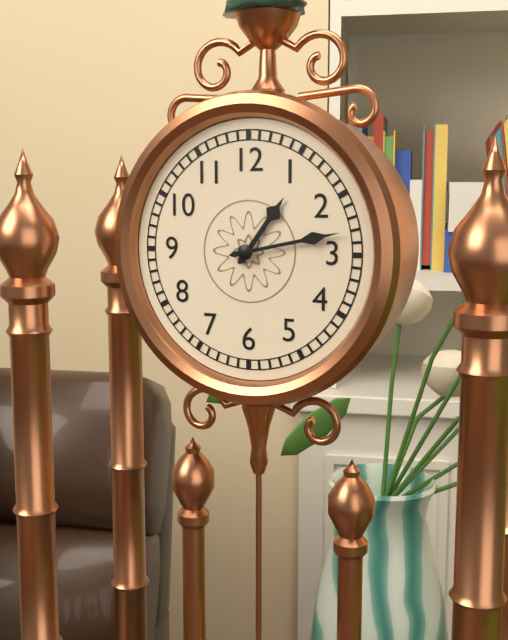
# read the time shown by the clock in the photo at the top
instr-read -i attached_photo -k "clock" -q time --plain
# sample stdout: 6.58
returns 1.13
